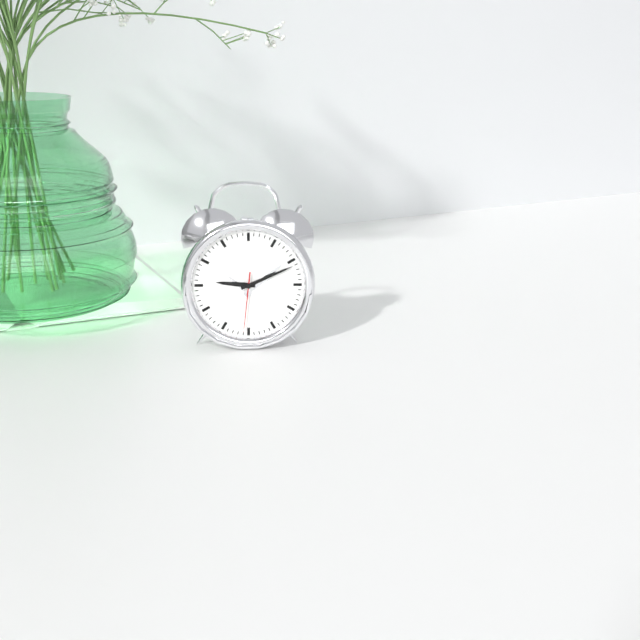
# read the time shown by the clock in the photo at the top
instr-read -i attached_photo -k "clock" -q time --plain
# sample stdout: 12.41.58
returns 9.11.31
